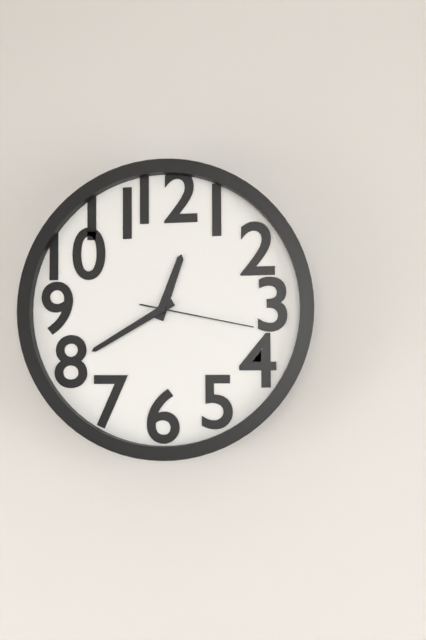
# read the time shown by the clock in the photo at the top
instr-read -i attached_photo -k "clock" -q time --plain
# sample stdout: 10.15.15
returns 12.40.17
